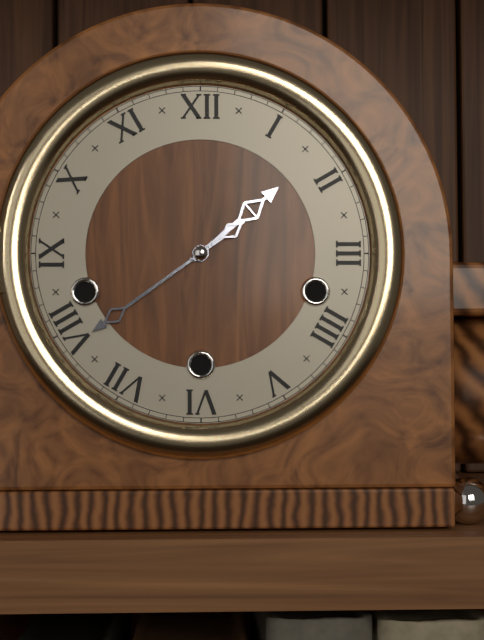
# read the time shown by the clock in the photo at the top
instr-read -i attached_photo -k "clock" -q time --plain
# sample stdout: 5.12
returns 1.39
